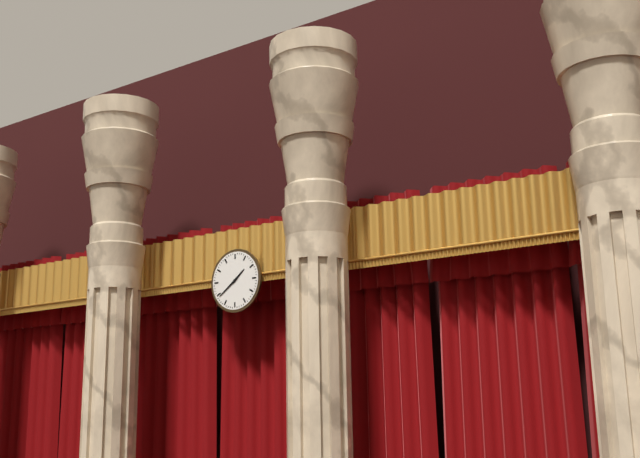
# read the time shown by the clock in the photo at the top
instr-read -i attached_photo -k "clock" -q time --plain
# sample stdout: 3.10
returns 1.39
